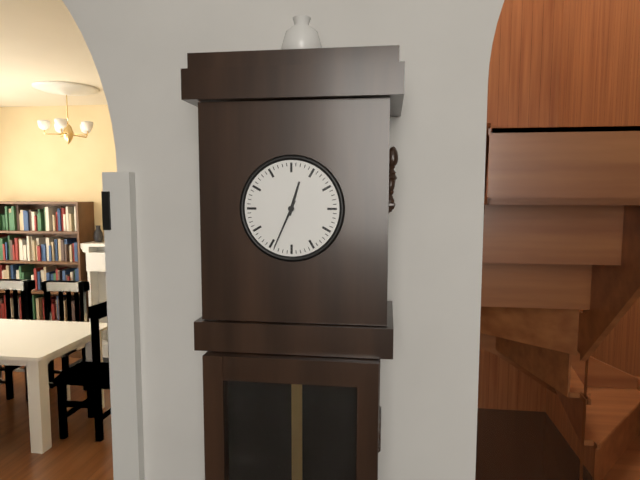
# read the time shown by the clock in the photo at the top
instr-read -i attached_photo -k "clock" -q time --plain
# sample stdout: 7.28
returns 12.34
